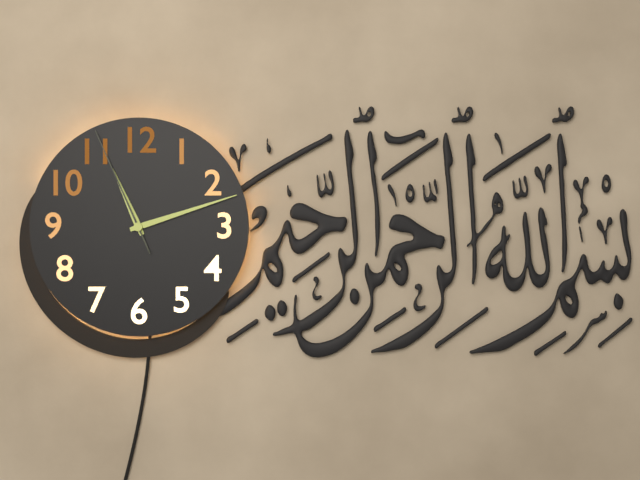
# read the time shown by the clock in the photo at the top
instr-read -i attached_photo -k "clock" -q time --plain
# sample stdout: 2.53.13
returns 11.12.56
